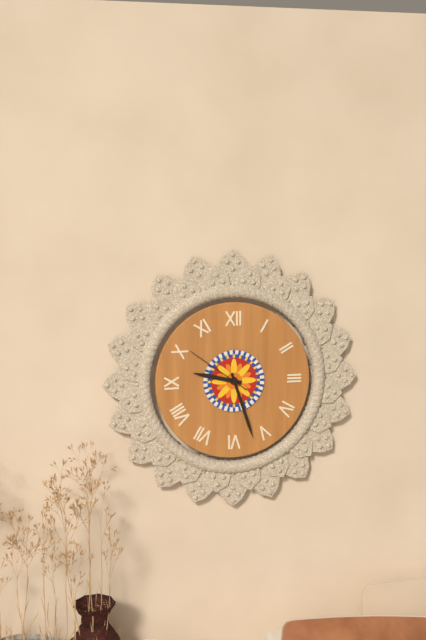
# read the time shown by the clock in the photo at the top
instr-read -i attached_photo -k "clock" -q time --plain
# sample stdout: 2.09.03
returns 9.27.51
